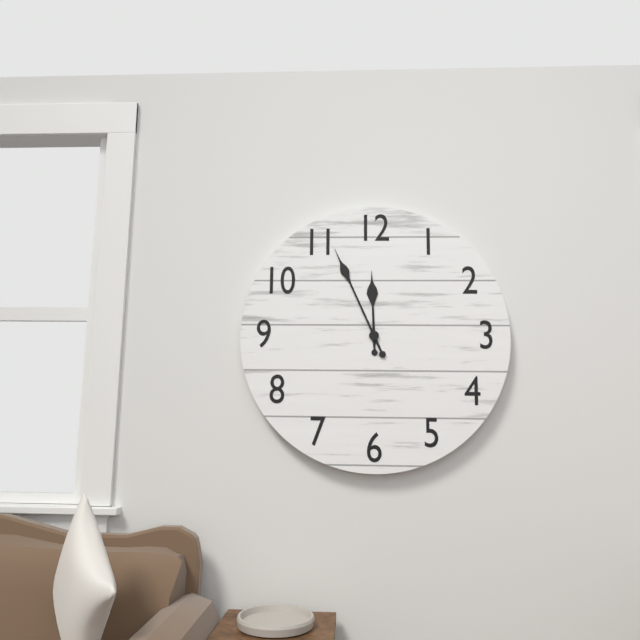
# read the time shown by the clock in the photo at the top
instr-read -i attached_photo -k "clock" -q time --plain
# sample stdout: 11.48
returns 11.56
